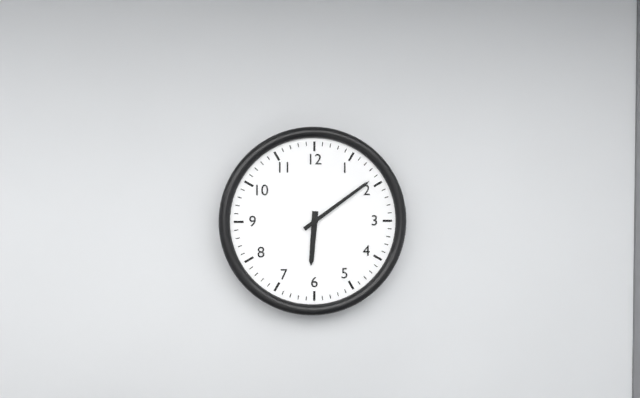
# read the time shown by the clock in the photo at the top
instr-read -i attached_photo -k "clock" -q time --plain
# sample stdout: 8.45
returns 6.09
